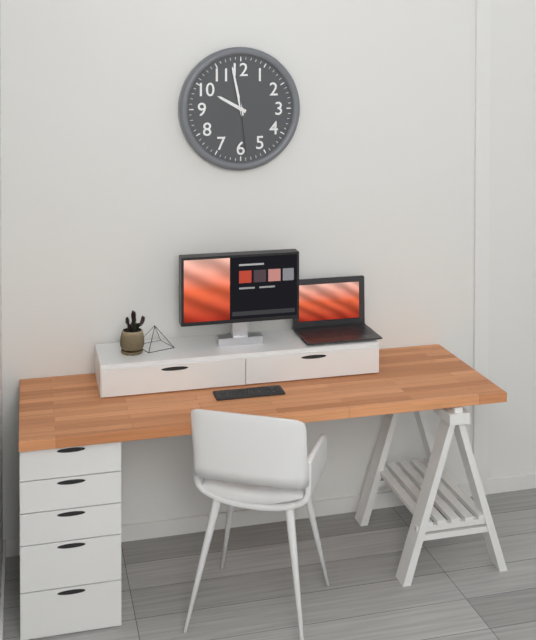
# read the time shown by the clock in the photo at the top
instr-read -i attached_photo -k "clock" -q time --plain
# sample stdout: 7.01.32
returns 9.58.29
